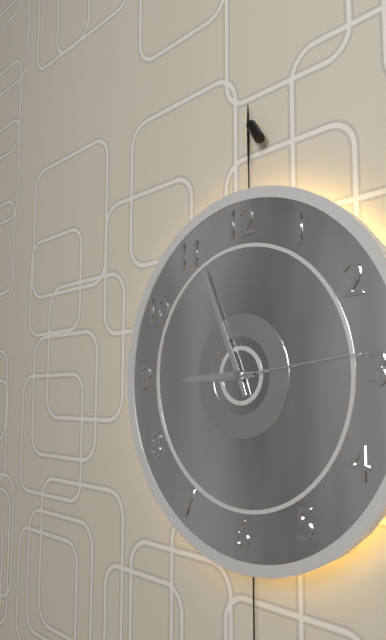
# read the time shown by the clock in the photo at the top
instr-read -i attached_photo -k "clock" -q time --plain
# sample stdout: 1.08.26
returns 8.56.14
